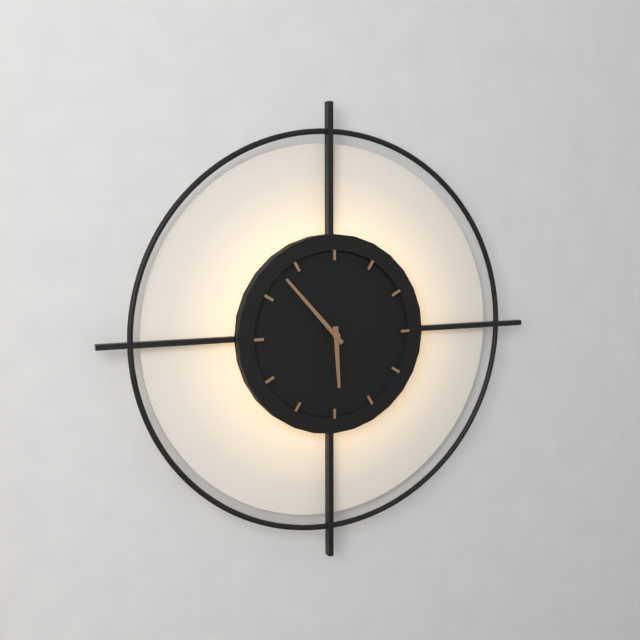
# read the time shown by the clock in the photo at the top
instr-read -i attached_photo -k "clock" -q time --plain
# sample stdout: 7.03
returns 5.53
